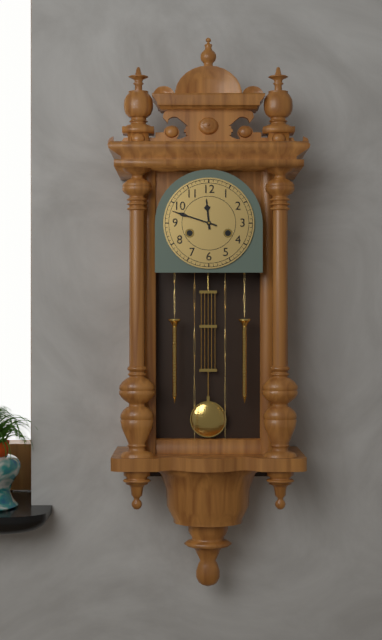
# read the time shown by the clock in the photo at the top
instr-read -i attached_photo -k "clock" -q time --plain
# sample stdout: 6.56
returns 11.48
